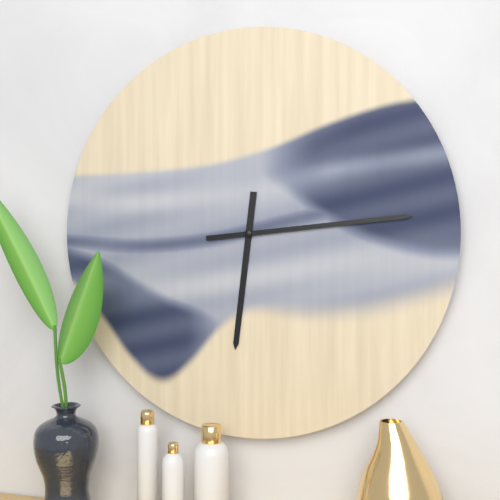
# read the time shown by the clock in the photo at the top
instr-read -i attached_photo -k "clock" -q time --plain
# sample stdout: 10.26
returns 6.14
